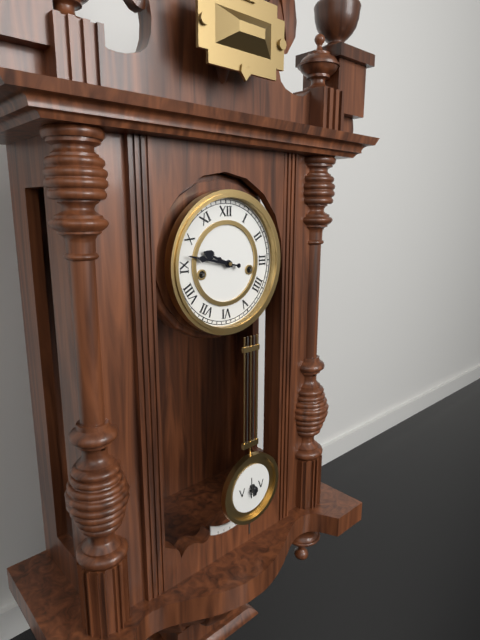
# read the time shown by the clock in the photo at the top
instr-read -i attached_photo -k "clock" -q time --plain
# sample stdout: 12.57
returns 9.47
